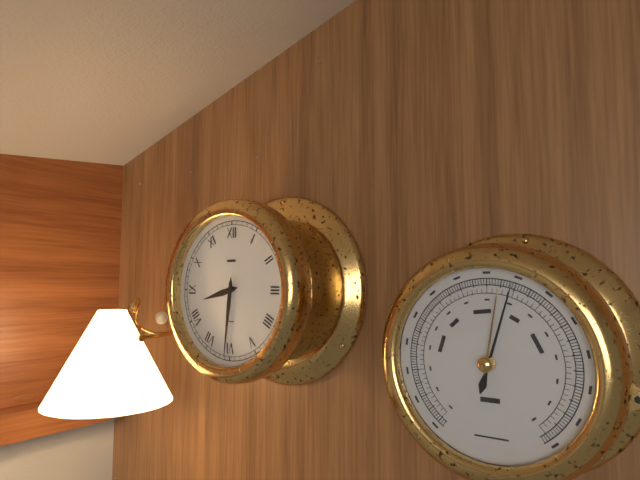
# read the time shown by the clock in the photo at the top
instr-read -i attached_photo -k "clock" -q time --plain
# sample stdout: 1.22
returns 8.31
